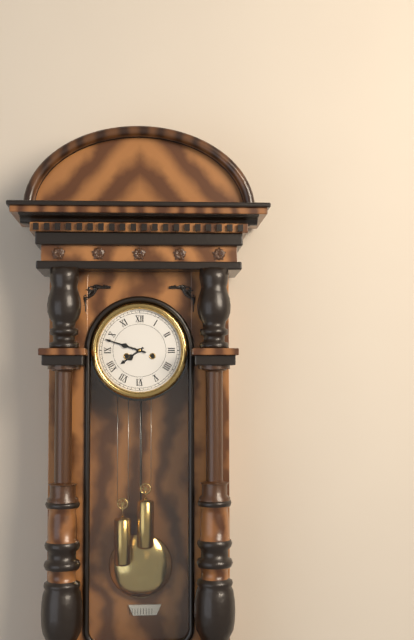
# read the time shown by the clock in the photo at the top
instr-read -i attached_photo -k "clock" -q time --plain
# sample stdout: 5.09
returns 7.48
